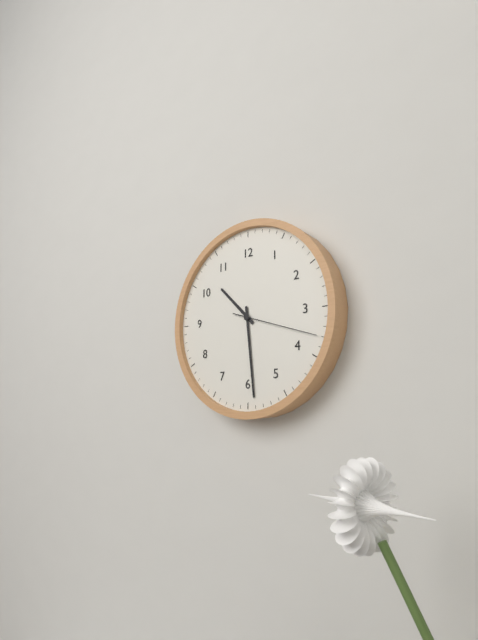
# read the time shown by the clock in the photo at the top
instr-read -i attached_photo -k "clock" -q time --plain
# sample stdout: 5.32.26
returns 10.29.18
